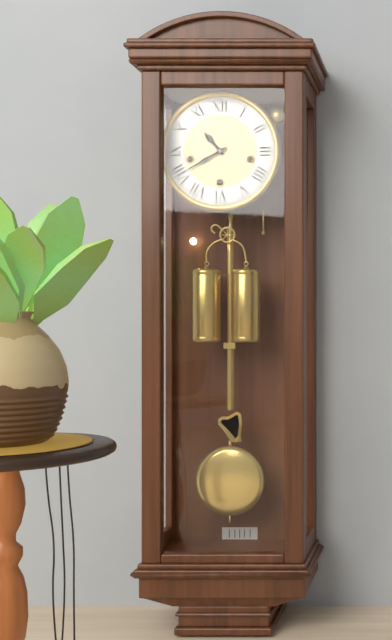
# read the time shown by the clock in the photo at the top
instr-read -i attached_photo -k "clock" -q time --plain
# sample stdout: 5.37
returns 10.40
